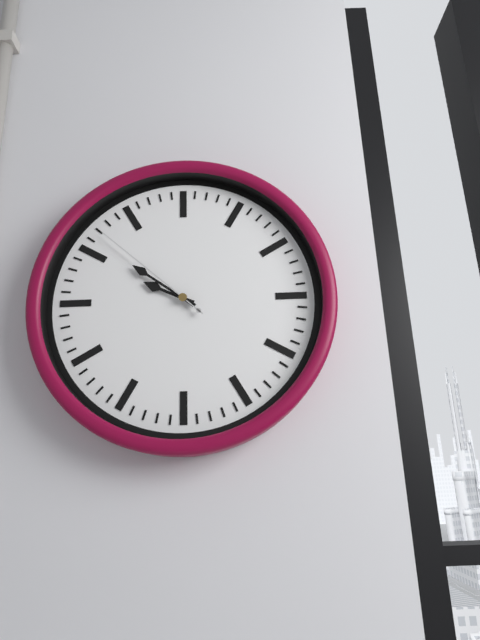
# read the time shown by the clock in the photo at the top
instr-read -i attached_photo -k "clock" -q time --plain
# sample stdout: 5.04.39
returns 9.51.52
